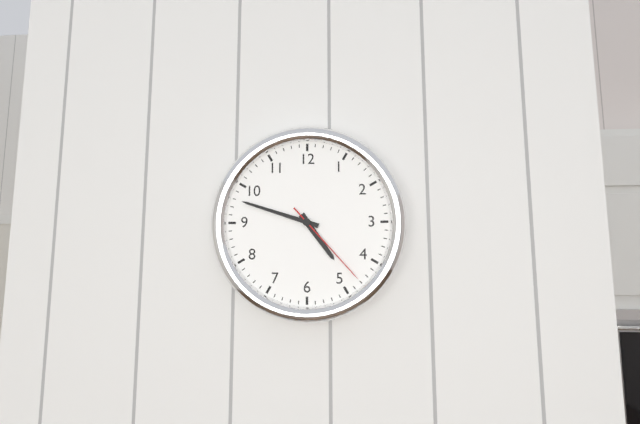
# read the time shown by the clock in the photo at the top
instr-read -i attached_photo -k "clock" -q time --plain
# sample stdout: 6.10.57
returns 4.48.23
